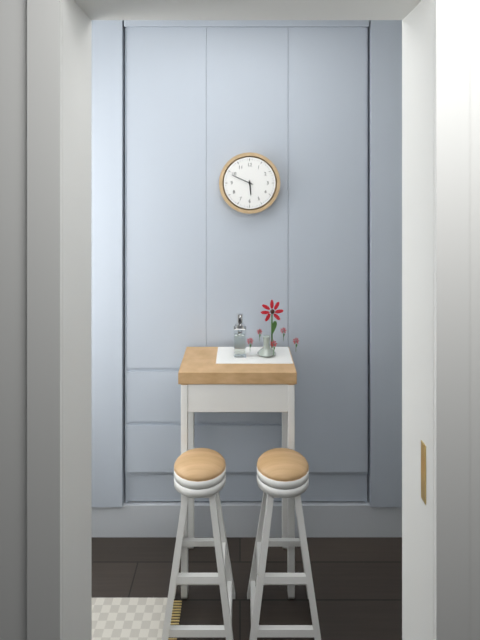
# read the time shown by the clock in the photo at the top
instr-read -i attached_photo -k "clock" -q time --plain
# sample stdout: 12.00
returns 5.49
